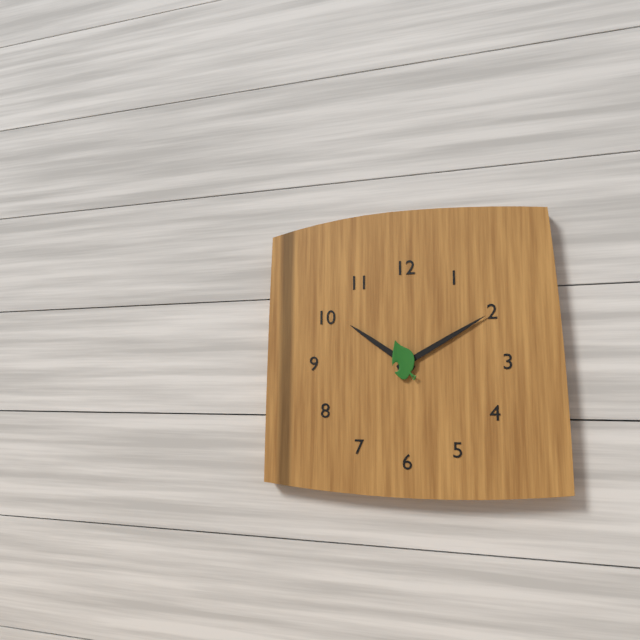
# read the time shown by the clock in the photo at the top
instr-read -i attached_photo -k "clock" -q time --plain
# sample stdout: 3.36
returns 10.10
